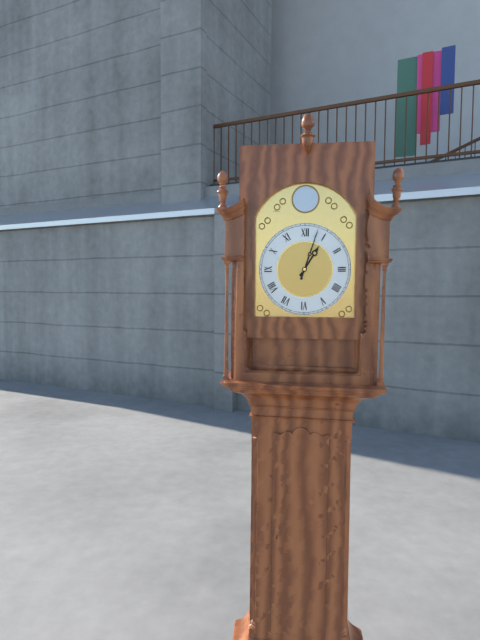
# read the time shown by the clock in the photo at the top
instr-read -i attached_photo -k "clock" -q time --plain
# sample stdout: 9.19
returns 1.03
